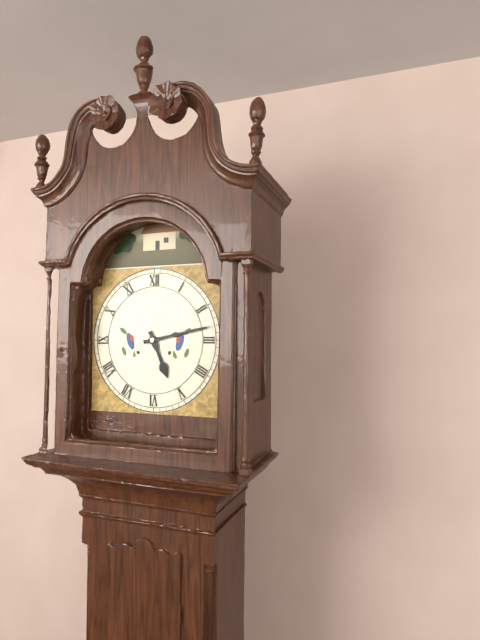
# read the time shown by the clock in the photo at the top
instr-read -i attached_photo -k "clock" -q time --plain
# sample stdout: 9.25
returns 5.13
